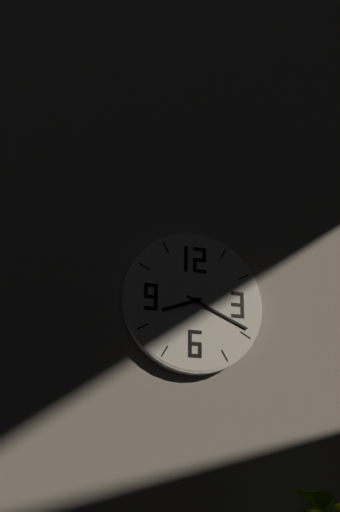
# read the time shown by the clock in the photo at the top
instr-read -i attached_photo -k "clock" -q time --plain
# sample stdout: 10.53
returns 8.19
